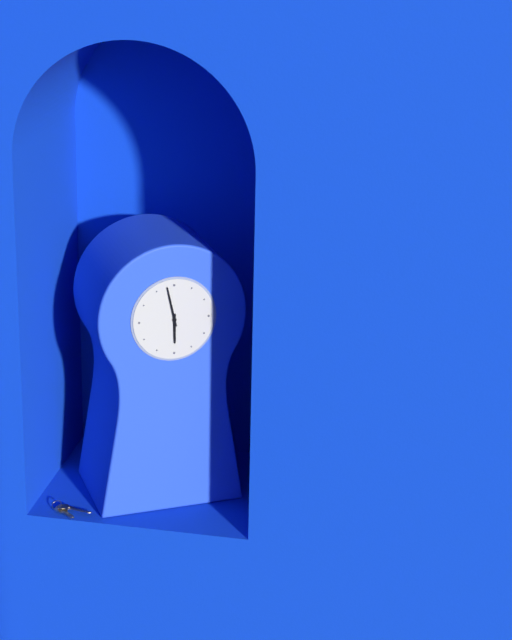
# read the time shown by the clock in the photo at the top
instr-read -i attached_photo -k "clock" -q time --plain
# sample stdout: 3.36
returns 5.58
